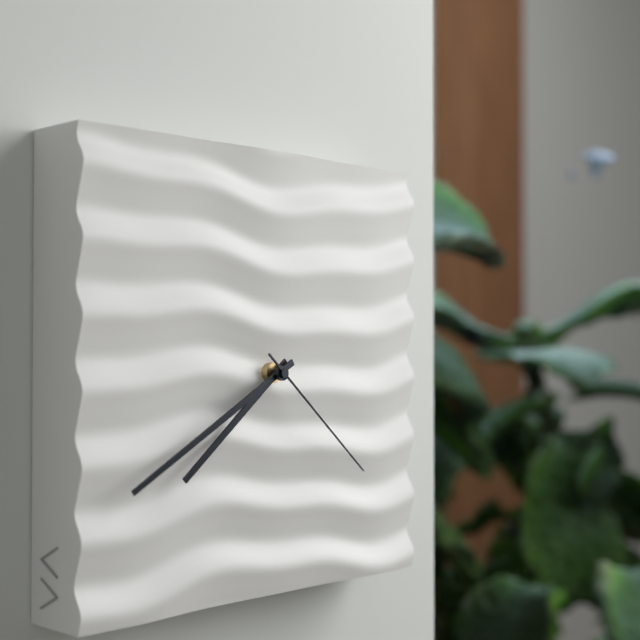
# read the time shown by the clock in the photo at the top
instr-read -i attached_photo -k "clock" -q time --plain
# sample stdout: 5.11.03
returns 7.40.22
